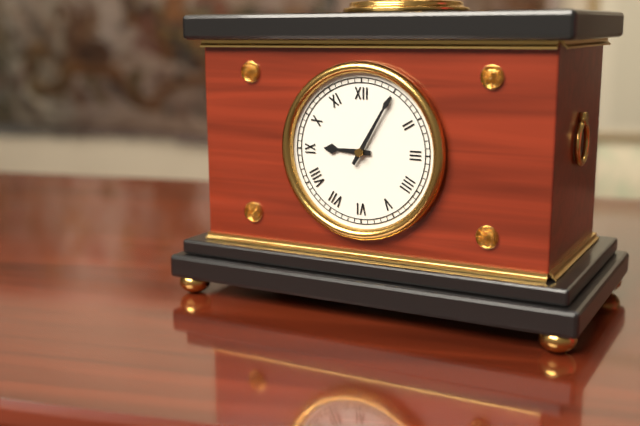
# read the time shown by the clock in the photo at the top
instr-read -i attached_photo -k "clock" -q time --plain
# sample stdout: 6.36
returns 9.05
